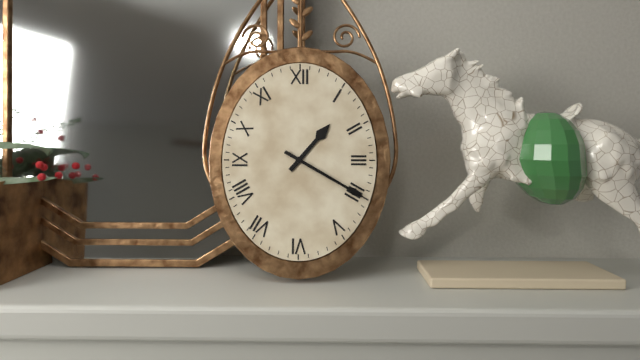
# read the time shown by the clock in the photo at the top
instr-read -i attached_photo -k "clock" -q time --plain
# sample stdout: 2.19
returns 1.20
